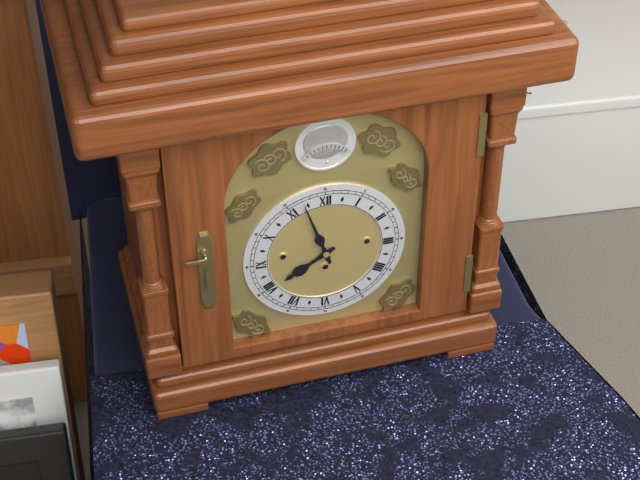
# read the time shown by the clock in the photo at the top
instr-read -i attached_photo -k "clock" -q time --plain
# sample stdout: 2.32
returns 7.57
